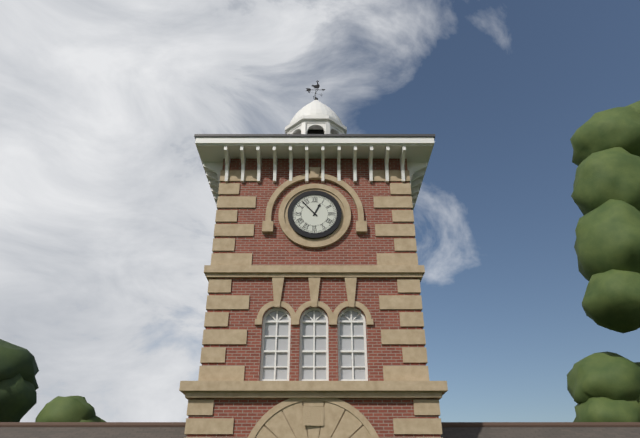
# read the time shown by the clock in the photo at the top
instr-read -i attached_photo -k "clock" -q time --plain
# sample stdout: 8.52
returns 12.53
